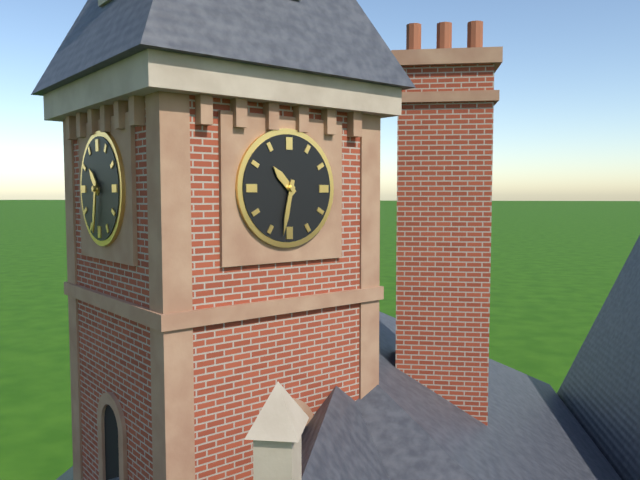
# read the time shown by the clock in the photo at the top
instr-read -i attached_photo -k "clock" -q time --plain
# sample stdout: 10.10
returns 10.32
